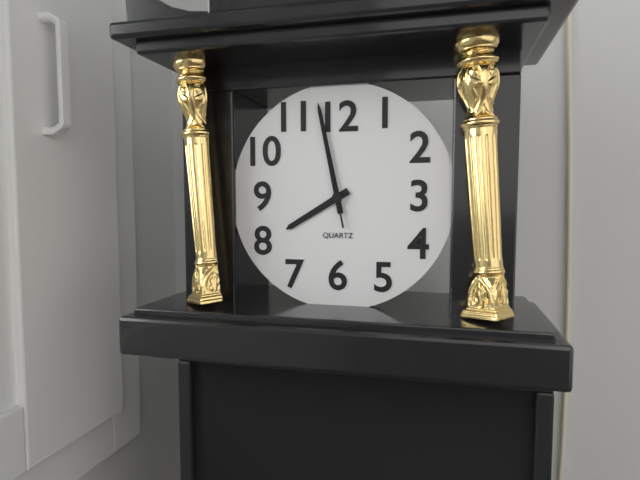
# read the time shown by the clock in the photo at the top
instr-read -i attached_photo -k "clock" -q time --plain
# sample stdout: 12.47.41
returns 7.58.58
